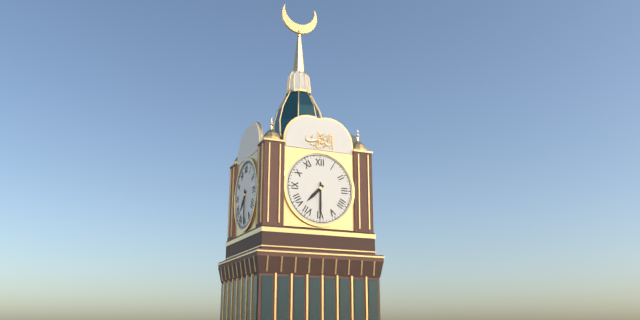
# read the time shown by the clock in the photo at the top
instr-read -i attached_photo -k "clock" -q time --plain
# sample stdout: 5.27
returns 7.30
